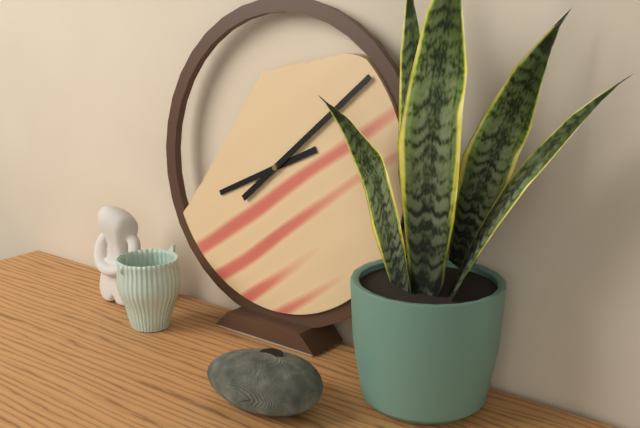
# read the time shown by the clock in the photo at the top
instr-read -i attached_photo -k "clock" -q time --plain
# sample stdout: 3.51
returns 8.08
